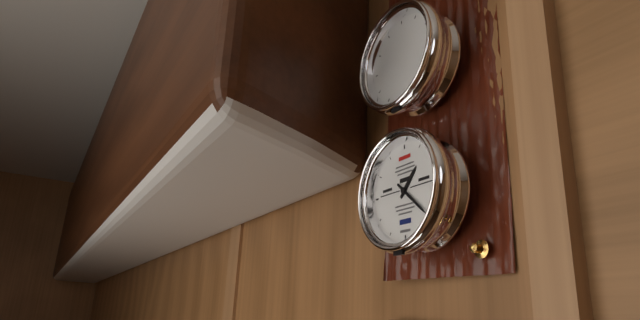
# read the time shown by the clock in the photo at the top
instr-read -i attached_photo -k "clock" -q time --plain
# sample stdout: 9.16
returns 1.22
